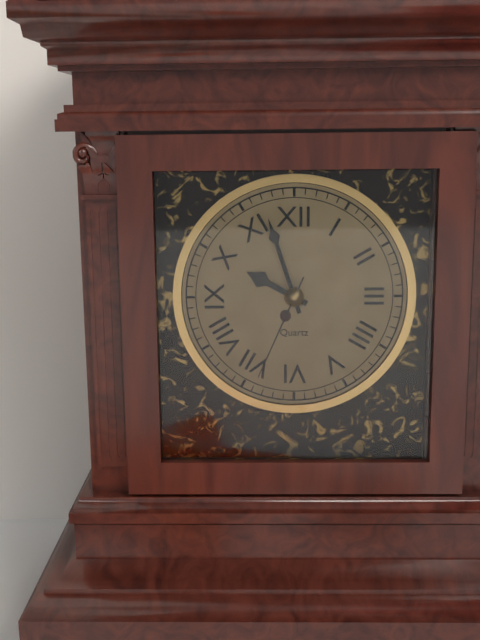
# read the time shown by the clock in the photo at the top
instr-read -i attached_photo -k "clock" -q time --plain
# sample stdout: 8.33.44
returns 9.57.34
